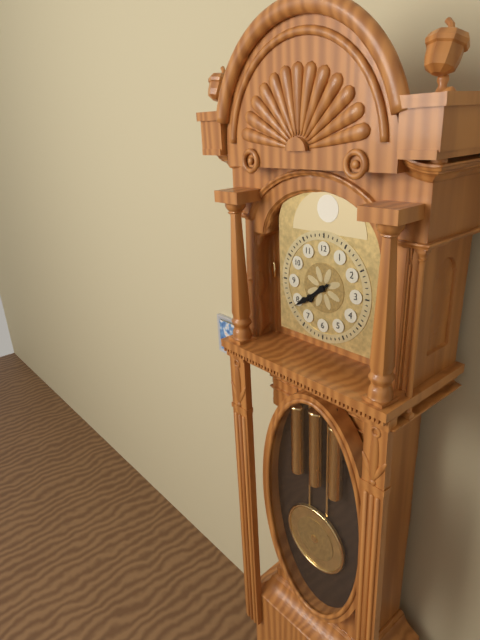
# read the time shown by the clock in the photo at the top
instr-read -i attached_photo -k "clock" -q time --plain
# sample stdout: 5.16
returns 7.39
